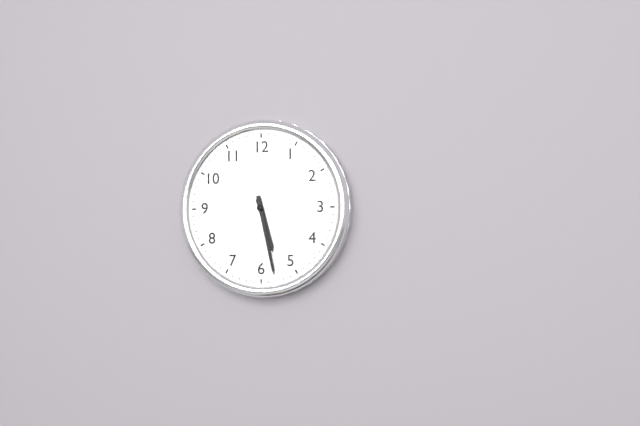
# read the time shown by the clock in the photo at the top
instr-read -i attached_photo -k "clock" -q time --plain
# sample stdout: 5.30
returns 5.28
